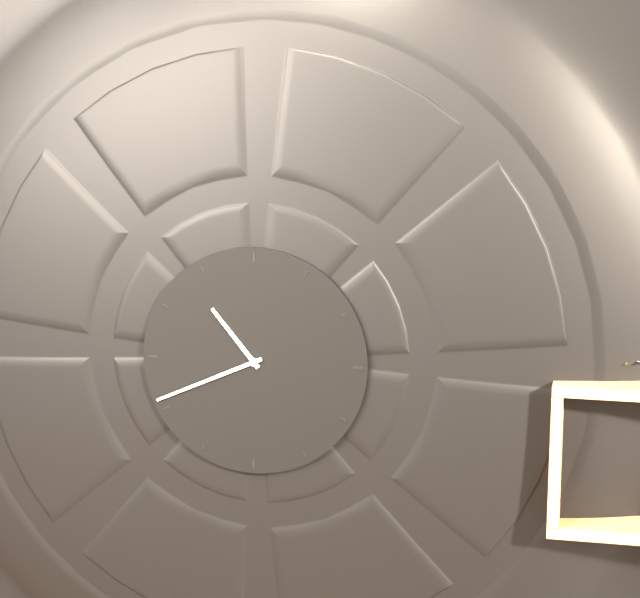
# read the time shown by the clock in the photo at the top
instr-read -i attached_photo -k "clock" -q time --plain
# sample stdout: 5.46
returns 10.41
